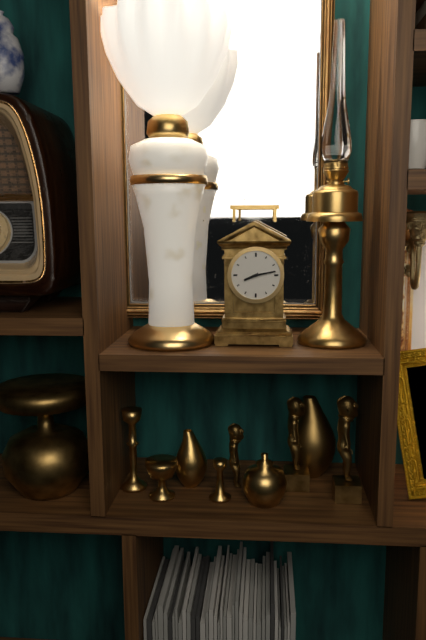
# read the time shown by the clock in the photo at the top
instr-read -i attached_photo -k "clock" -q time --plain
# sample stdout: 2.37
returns 8.13
